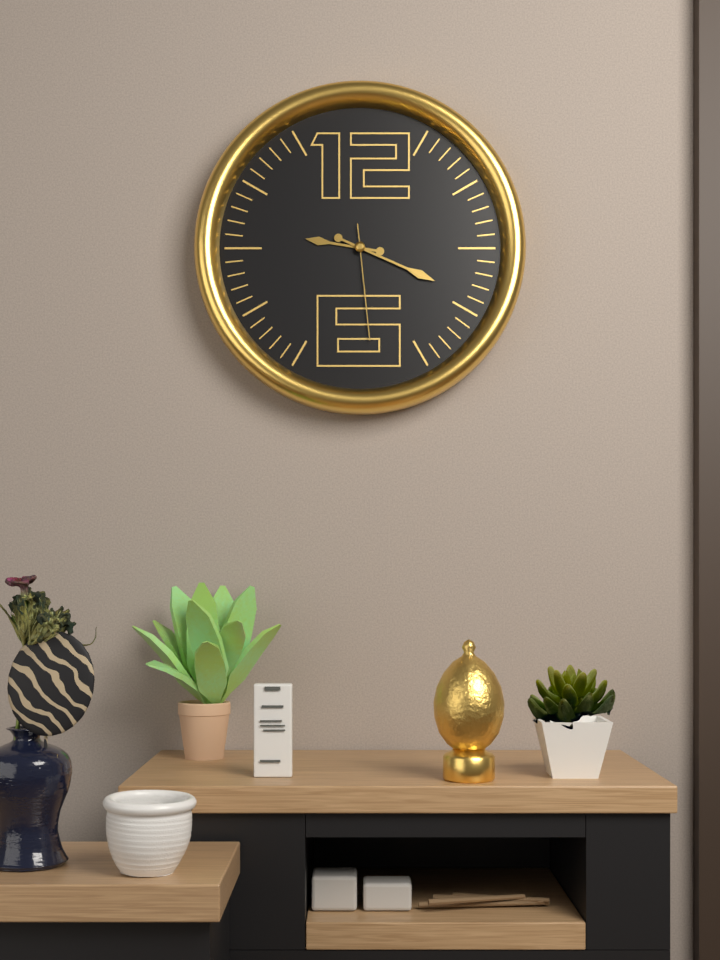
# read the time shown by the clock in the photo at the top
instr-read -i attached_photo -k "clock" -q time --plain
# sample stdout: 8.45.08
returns 9.19.29
